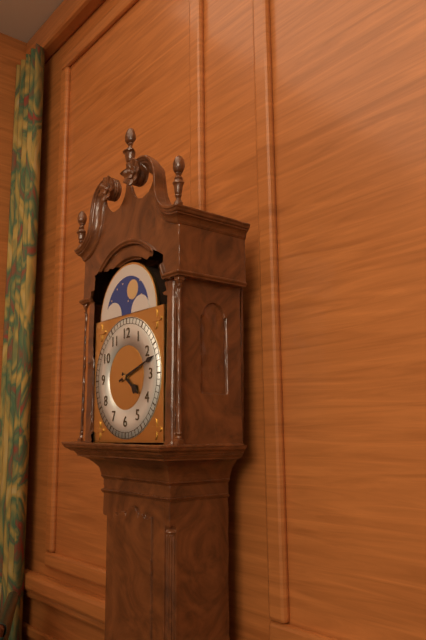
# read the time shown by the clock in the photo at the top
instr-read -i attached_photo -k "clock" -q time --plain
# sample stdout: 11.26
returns 4.12
